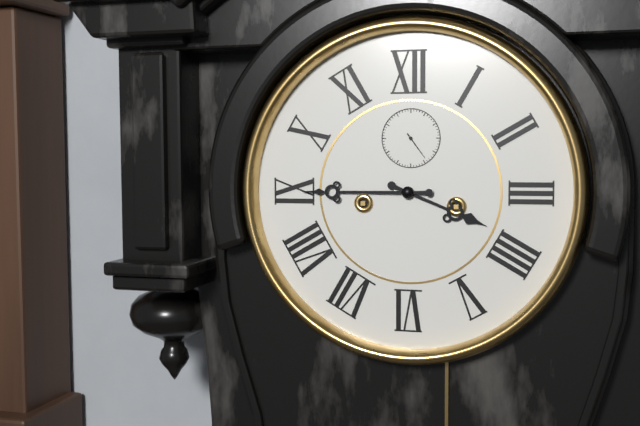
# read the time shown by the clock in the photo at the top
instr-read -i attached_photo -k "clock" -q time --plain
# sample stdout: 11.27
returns 3.45
